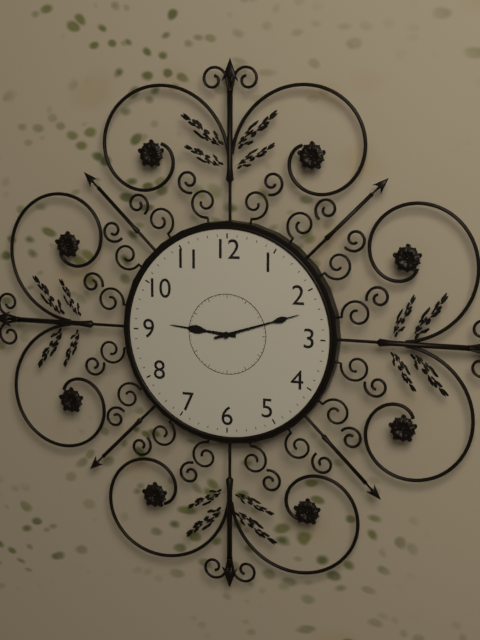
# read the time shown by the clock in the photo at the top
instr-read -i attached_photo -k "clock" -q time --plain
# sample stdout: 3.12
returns 9.12
